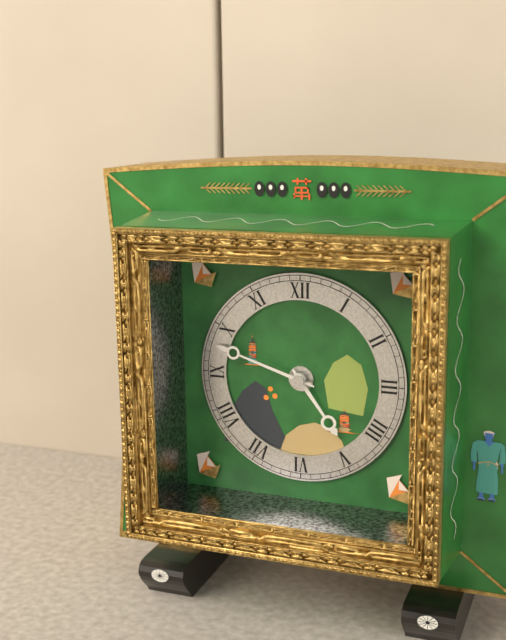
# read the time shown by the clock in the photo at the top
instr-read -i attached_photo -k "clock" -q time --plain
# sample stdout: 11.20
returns 4.48
